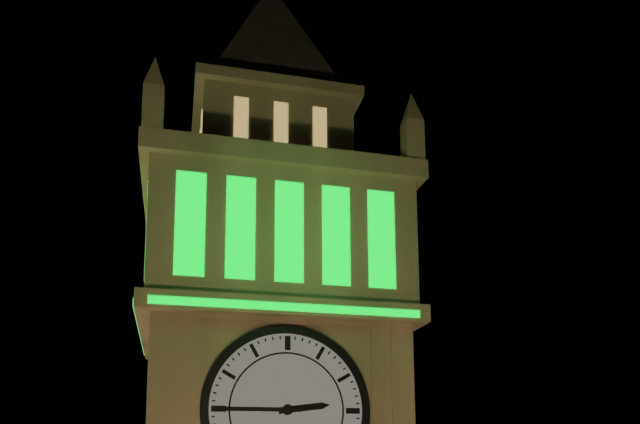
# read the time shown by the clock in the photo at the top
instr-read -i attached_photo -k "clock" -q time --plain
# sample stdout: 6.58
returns 2.45
